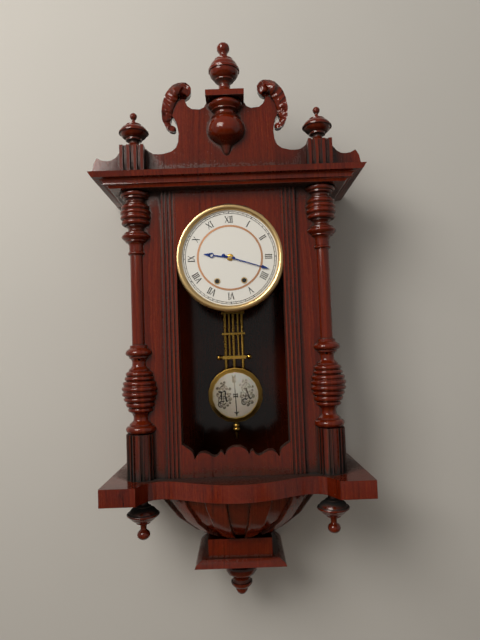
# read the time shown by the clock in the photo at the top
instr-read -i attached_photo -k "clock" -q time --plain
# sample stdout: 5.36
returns 9.18
